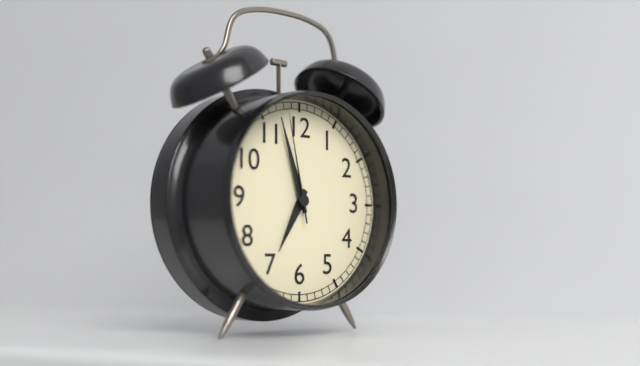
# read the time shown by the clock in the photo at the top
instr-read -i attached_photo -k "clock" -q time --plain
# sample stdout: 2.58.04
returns 6.57.58
